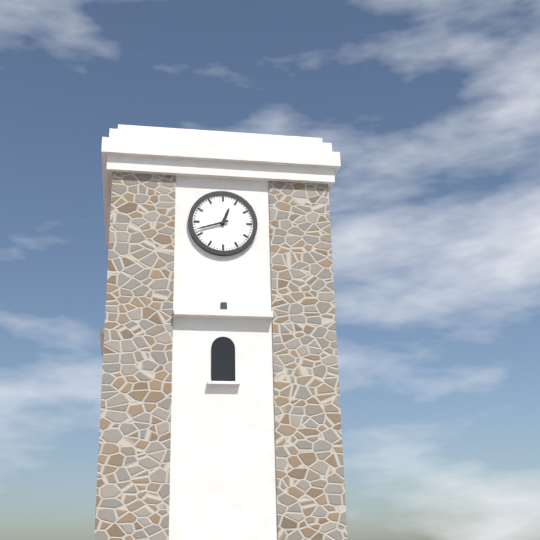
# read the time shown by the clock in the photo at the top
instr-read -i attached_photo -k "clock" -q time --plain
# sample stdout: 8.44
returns 12.42
